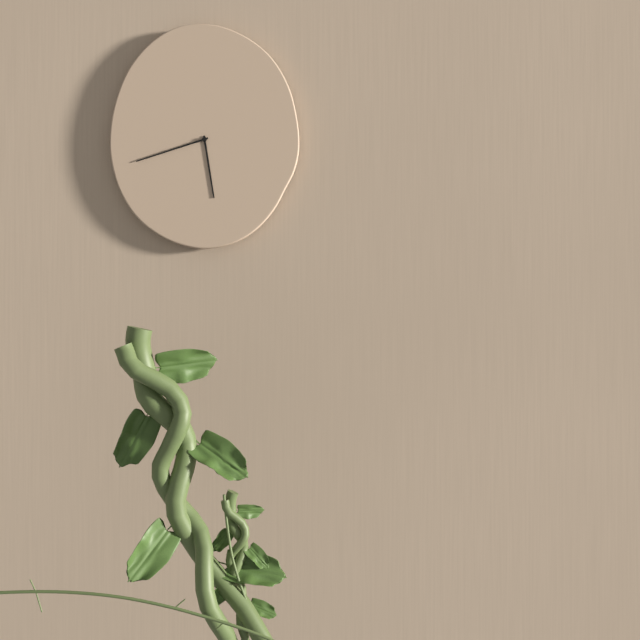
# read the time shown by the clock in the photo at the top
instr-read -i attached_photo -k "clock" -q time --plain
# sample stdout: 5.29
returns 5.42
